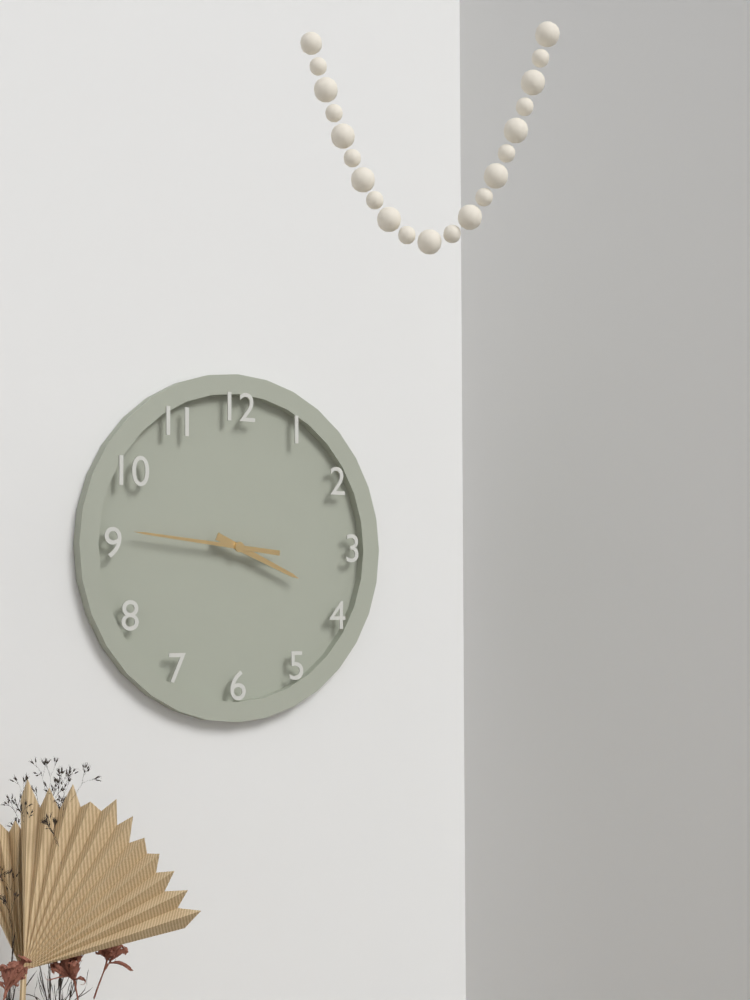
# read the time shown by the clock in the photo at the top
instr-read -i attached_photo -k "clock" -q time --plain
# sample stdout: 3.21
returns 3.46
